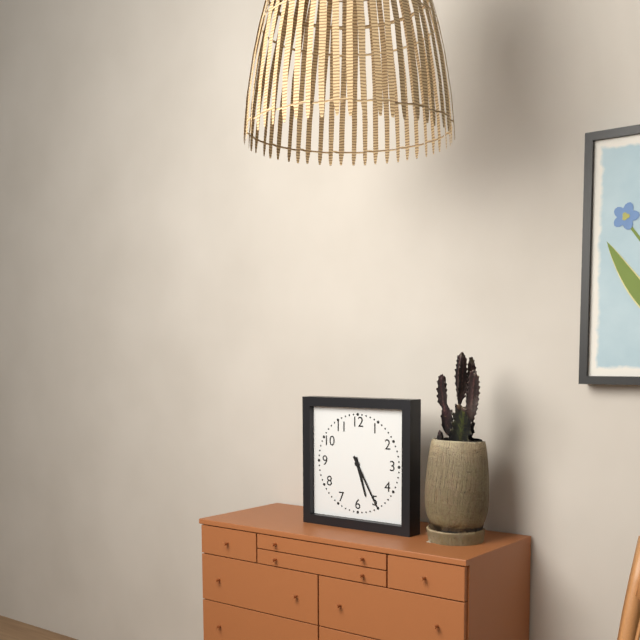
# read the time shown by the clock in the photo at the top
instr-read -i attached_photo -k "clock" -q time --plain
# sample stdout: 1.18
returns 5.25
